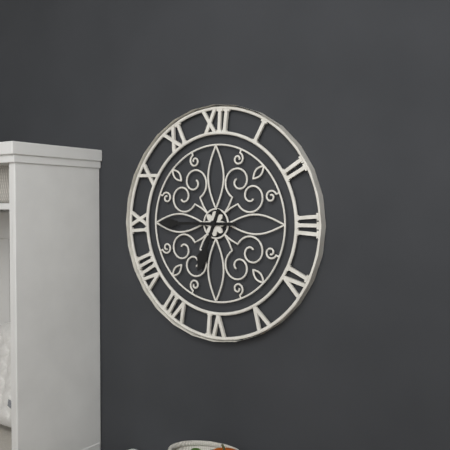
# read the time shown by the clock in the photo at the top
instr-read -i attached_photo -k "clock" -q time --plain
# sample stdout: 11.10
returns 6.45
